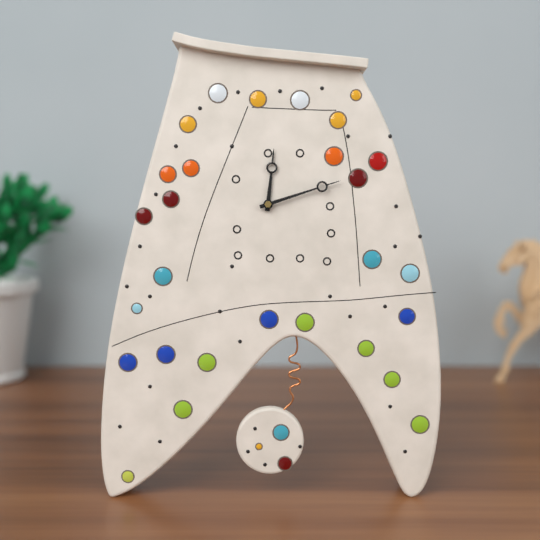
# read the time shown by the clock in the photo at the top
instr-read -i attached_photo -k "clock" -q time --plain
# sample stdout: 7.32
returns 12.12
